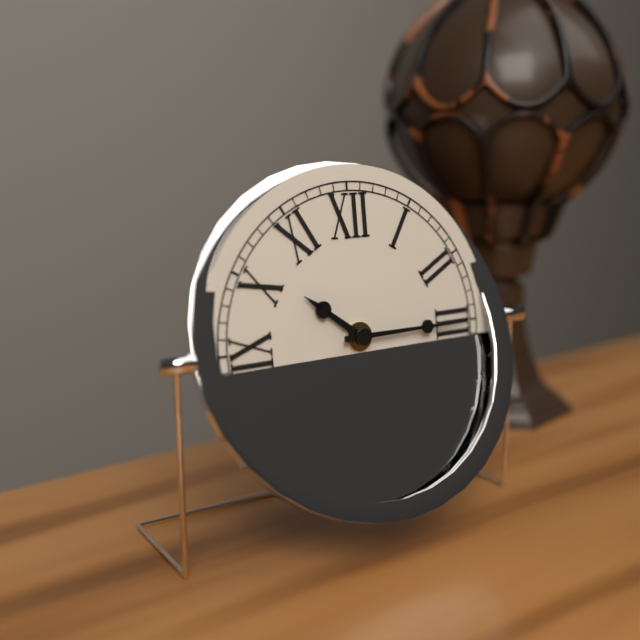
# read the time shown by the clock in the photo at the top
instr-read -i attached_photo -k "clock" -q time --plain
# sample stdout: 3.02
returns 10.15
